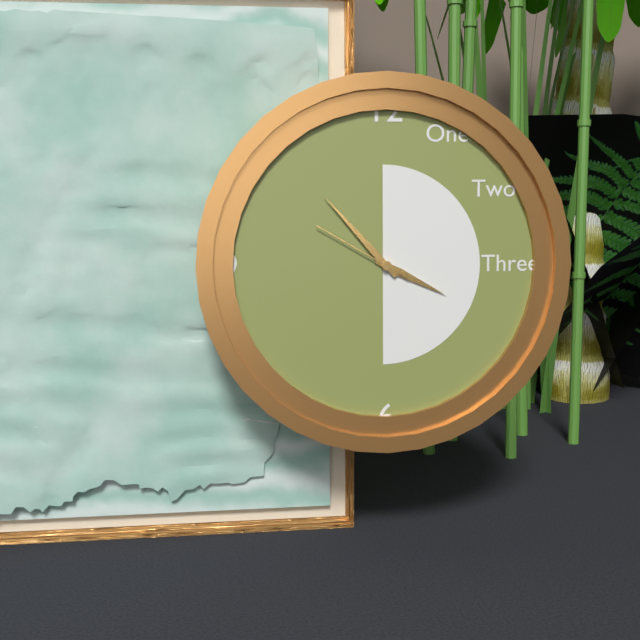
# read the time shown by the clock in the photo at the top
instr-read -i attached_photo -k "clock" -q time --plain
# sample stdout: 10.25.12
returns 3.53.50
